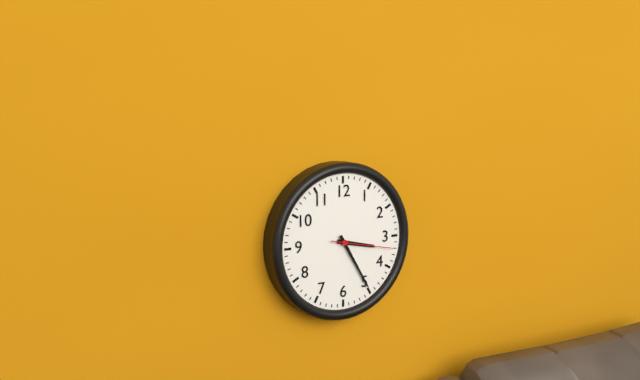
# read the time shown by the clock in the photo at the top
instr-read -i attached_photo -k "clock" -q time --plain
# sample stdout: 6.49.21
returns 3.25.17
